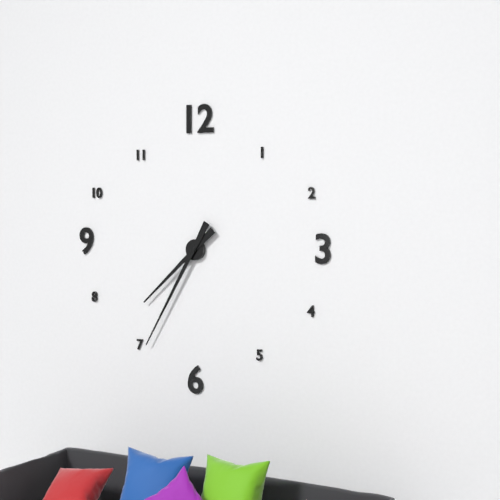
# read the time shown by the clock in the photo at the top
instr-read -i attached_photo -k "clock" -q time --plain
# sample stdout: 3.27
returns 7.35
